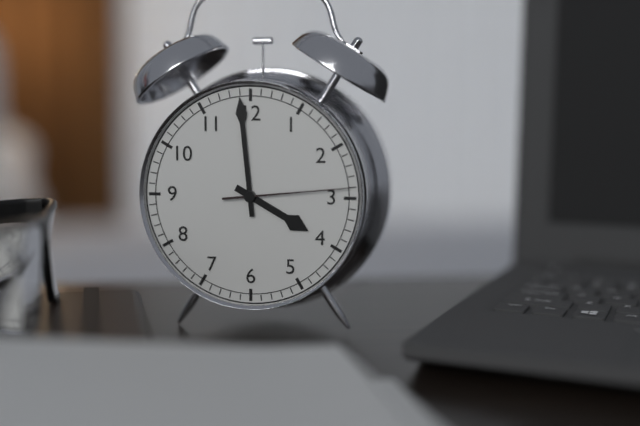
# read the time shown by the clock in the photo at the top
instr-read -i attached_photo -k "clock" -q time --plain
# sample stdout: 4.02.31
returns 3.59.14
